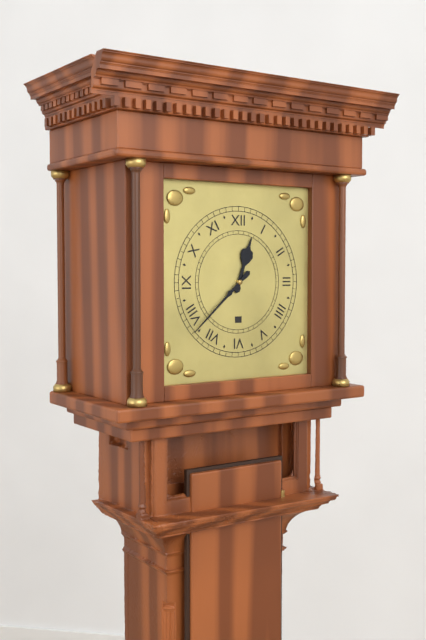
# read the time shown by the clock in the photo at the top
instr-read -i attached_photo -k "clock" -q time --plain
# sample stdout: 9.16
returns 12.38
